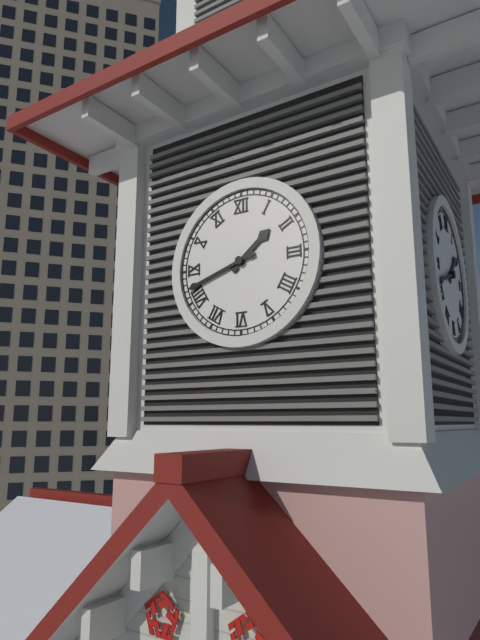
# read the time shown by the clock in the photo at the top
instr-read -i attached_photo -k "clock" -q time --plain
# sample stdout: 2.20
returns 1.42
